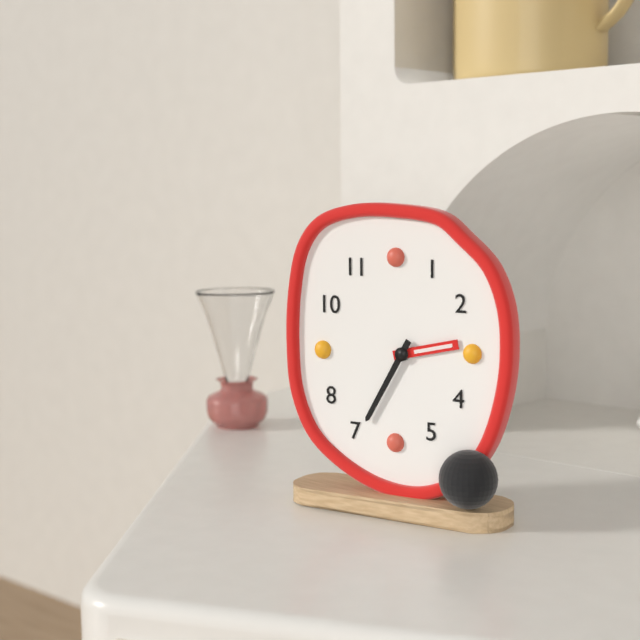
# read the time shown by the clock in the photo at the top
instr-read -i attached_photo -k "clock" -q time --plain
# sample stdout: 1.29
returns 2.35
